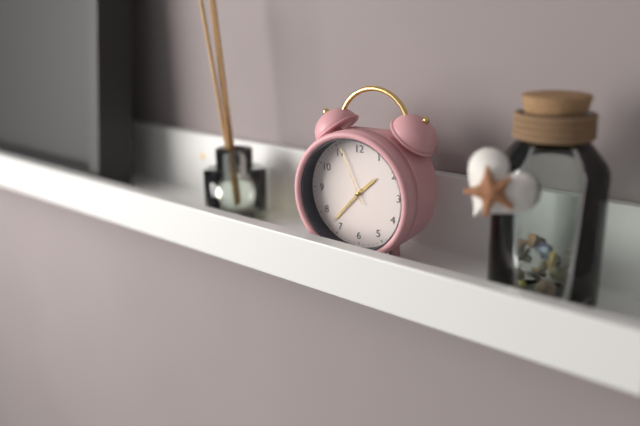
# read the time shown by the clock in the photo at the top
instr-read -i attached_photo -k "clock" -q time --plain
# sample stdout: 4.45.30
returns 1.37.56
